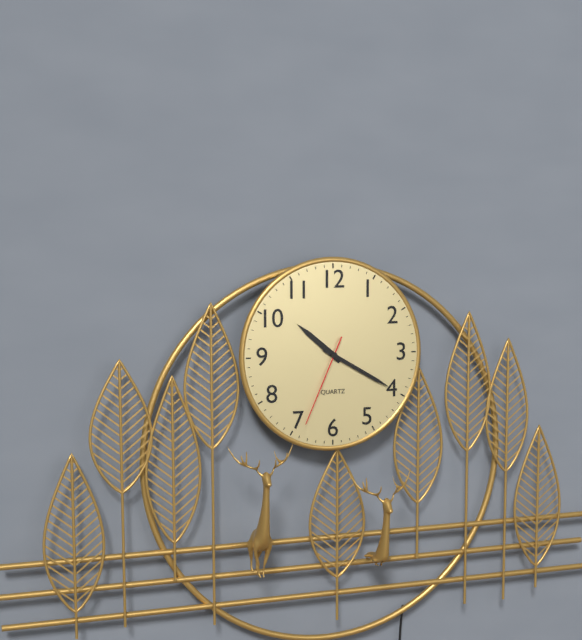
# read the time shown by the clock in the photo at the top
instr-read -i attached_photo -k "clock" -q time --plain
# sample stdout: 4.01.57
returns 10.20.34
